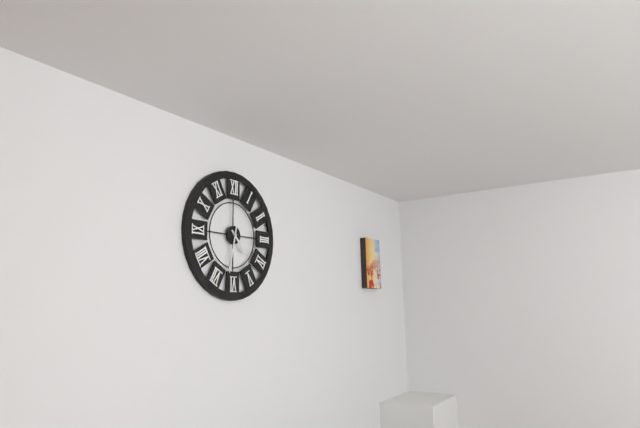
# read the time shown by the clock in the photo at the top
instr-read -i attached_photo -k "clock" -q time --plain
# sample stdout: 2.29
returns 4.32
